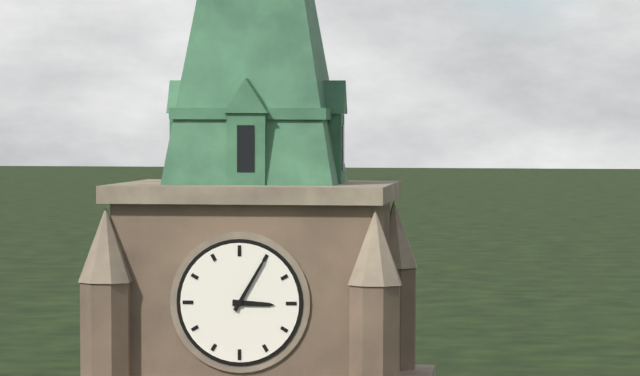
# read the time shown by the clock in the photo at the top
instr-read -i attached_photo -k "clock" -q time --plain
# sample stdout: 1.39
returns 3.05
